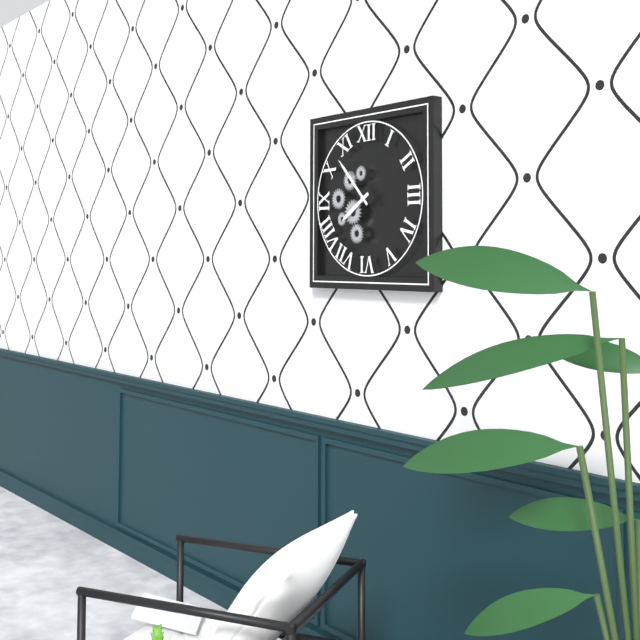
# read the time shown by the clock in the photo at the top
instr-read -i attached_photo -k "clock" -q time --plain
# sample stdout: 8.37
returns 7.53
